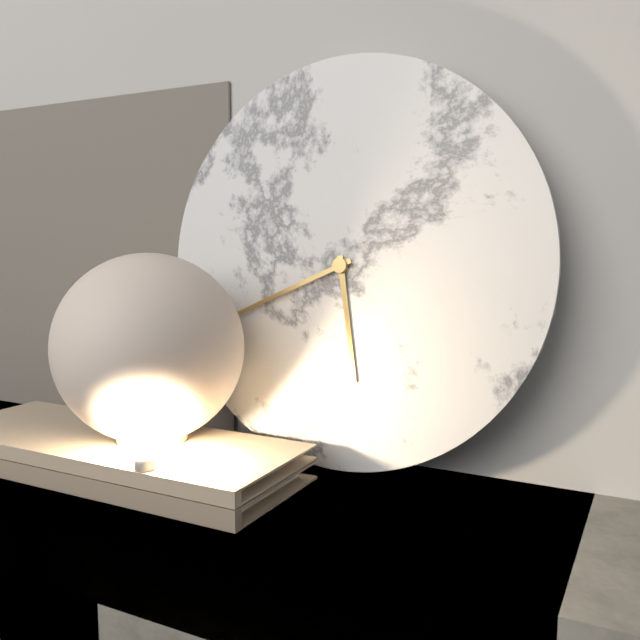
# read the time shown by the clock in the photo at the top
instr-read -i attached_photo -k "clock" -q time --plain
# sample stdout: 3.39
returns 5.41
